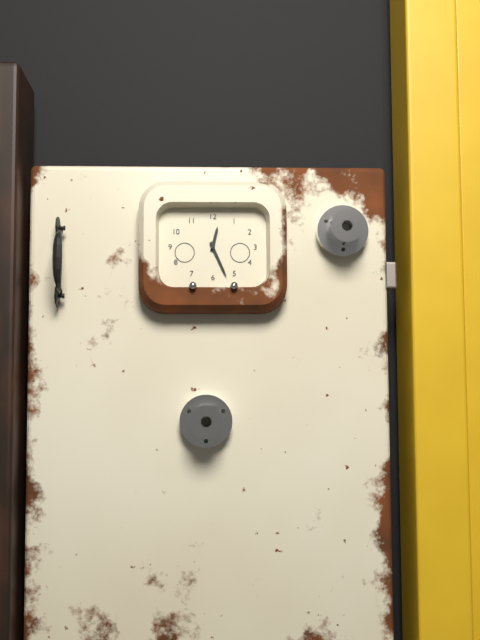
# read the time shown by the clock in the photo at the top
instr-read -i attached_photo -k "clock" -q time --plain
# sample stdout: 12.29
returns 12.26
